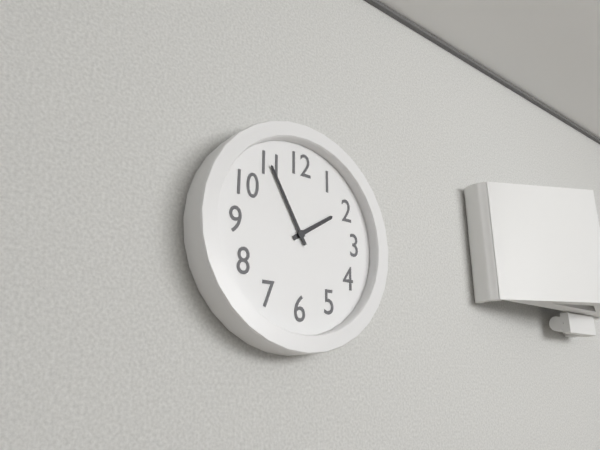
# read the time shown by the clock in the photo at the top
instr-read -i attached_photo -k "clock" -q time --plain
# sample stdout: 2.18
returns 1.55
